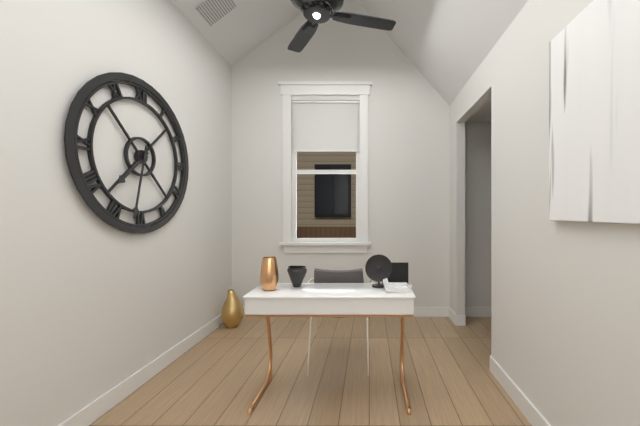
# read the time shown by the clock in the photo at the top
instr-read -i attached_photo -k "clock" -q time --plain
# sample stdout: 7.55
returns 7.32
